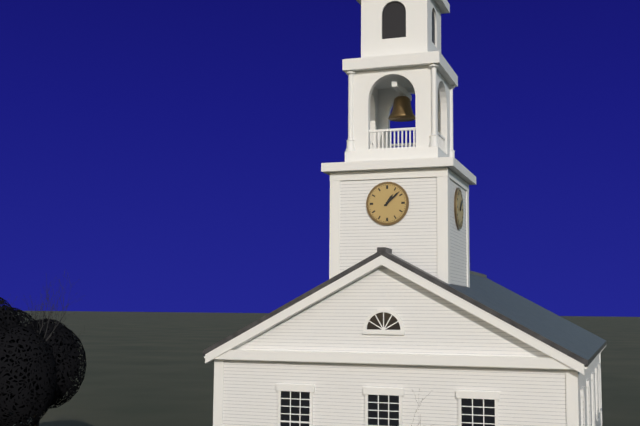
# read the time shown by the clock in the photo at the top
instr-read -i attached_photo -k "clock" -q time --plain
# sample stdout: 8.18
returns 1.08
